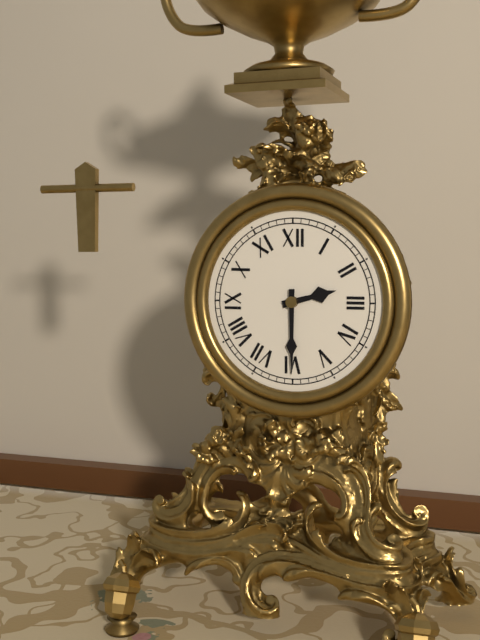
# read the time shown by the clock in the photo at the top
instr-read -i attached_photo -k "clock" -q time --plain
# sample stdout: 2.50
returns 2.30
